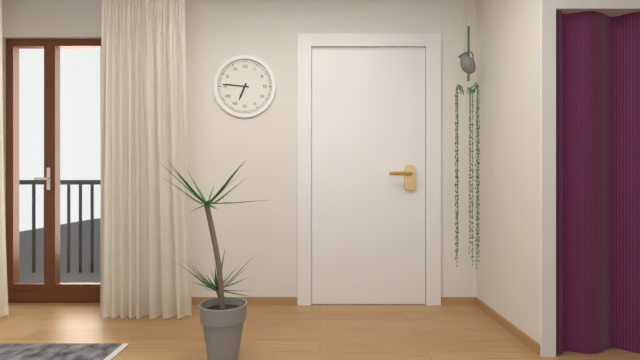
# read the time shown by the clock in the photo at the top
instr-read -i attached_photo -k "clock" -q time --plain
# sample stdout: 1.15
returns 6.46
